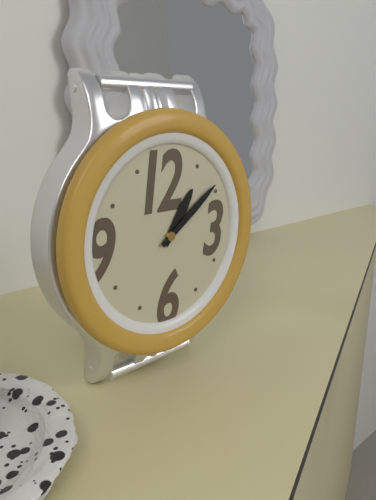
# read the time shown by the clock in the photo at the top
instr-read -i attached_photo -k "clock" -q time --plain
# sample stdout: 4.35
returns 1.09
